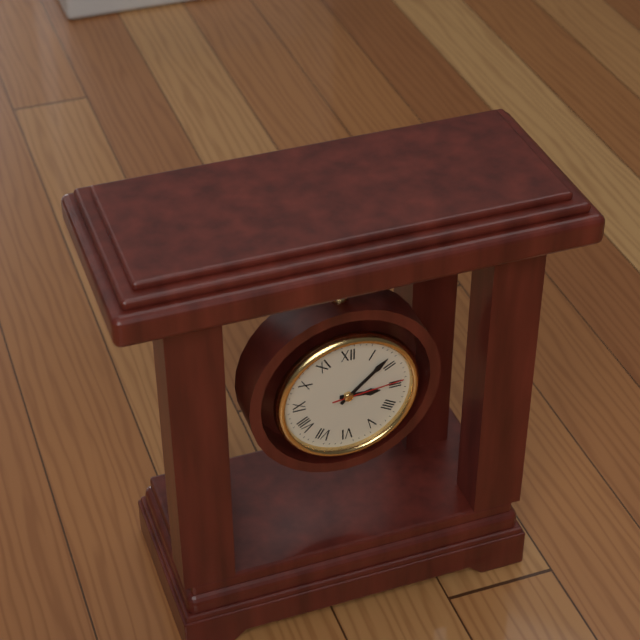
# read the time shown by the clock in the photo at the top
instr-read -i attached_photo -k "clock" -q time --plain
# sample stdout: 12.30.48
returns 3.08.14
